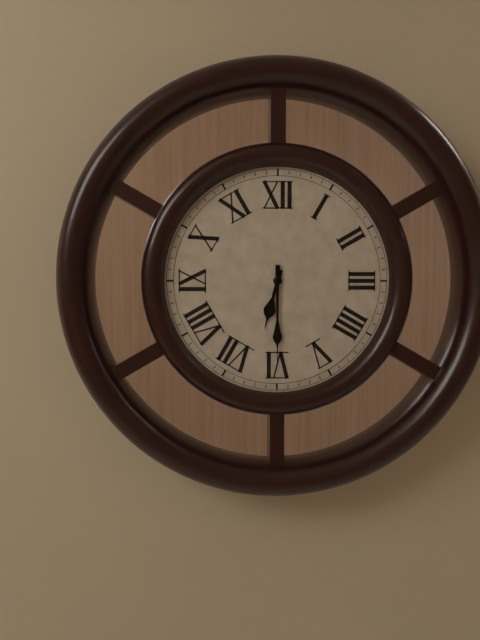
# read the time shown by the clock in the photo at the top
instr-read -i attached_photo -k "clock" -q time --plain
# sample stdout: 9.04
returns 6.30
